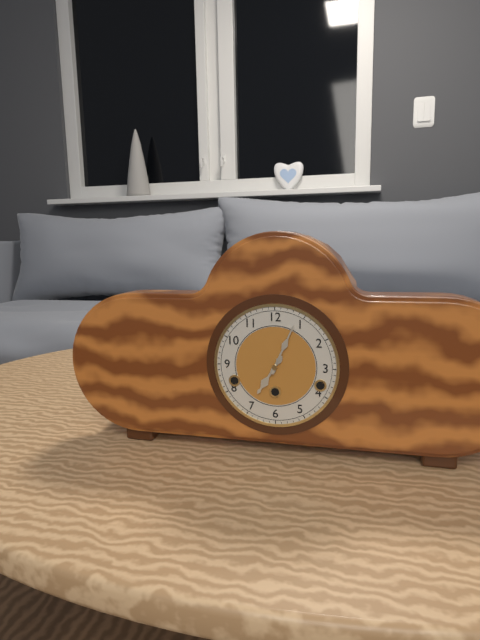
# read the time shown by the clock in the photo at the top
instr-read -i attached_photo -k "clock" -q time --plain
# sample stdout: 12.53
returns 7.04
